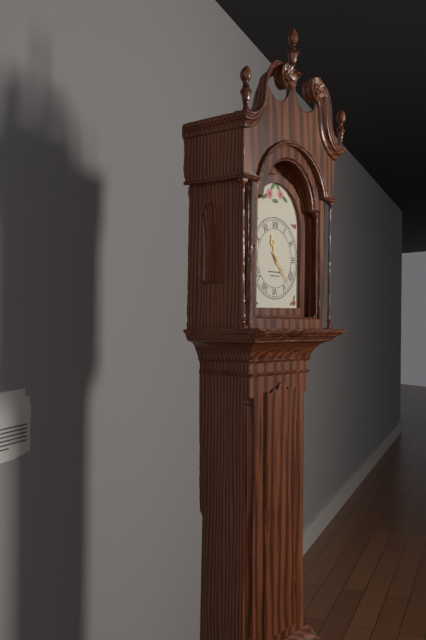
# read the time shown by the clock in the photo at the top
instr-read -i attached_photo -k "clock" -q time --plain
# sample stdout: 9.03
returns 11.23
